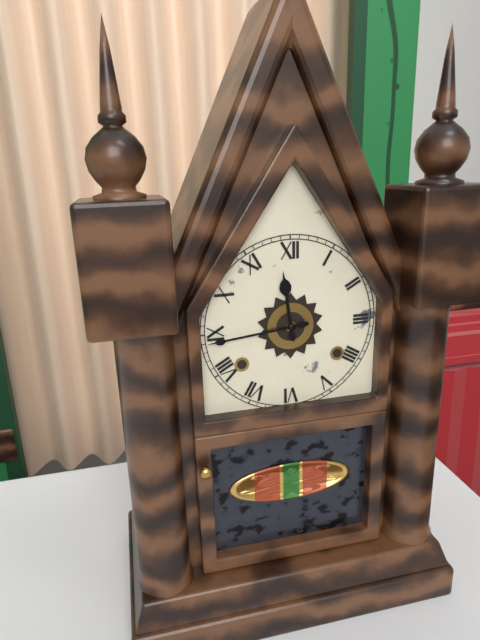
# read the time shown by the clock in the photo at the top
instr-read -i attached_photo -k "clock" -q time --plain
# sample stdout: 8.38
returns 11.44
